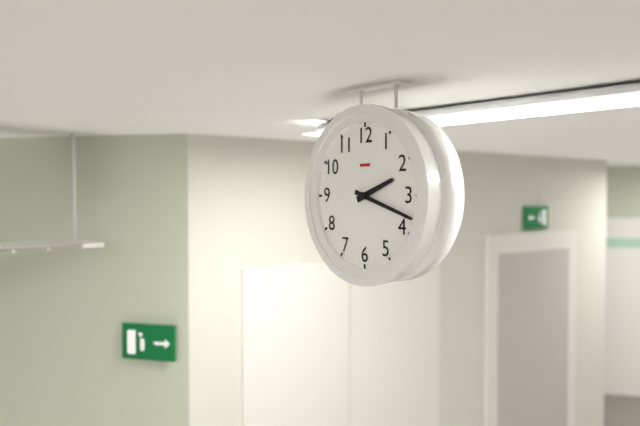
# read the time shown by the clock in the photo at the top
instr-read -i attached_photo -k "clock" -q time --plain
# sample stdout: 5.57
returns 2.18
